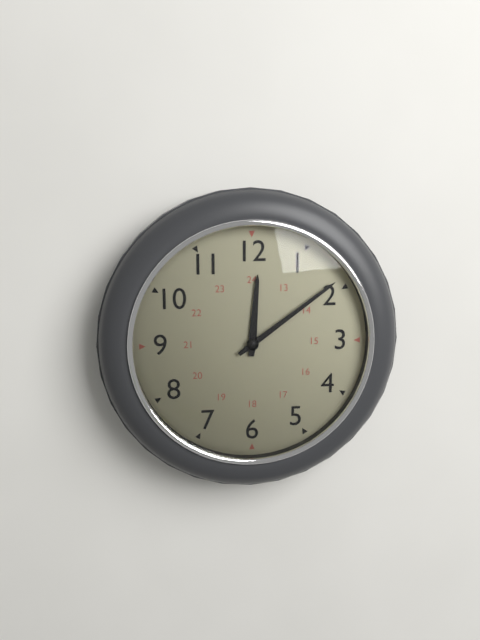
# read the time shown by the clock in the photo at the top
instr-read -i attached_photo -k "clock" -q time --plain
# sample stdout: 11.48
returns 12.09
